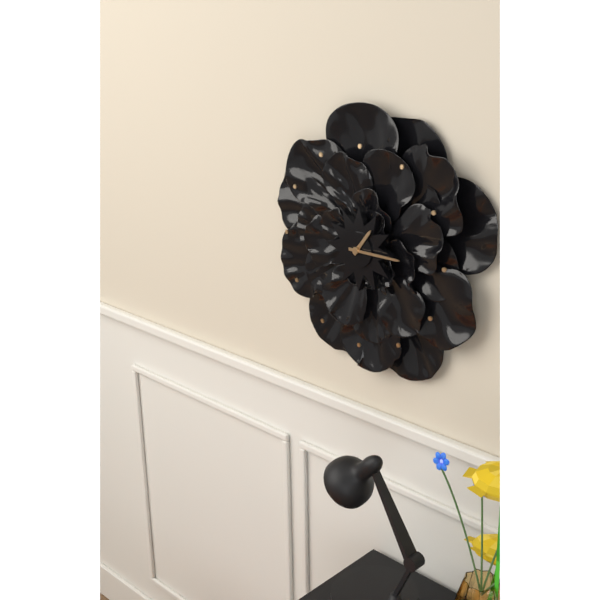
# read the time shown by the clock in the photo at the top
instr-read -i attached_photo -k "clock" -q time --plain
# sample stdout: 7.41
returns 1.15
